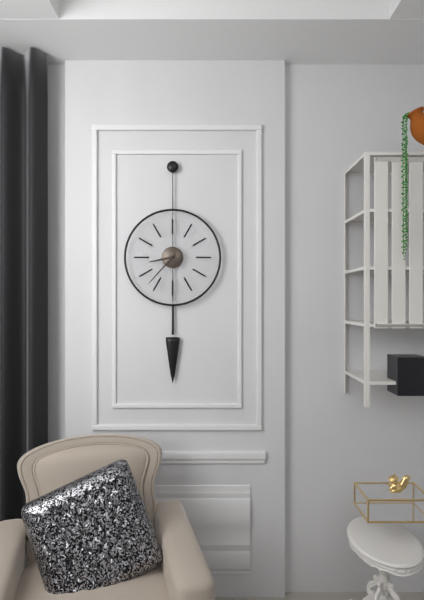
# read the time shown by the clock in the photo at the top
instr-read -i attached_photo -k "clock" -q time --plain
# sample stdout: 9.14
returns 8.37
